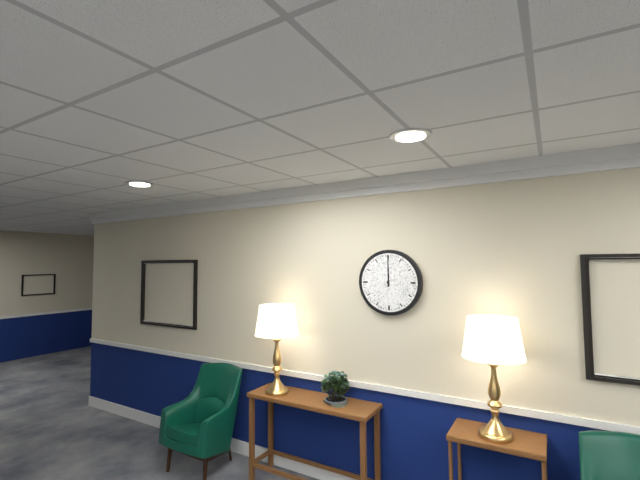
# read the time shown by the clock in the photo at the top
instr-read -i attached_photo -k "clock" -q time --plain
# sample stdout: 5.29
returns 12.00
